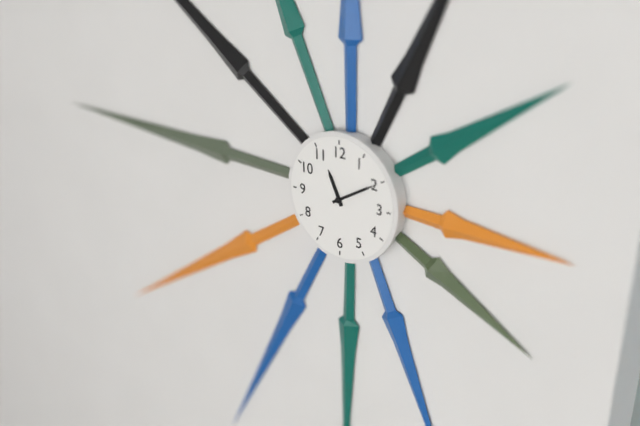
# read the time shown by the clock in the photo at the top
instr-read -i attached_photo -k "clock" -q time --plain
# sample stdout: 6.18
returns 11.10
